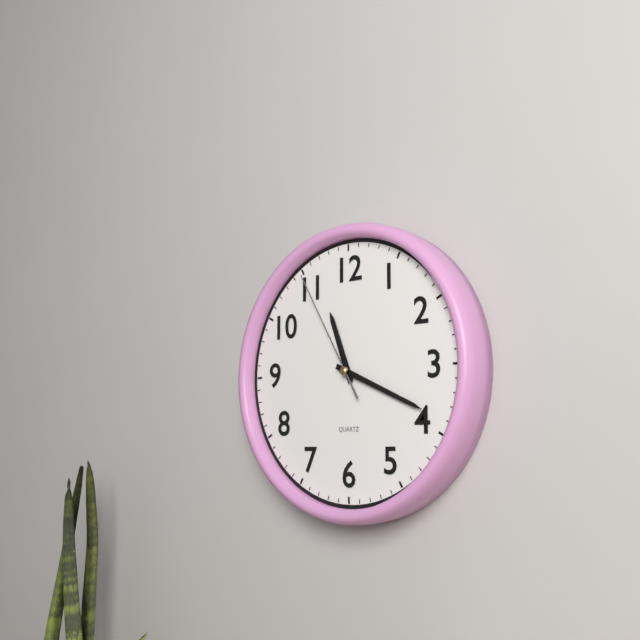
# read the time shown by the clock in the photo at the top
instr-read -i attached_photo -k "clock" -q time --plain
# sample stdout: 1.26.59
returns 11.19.55
